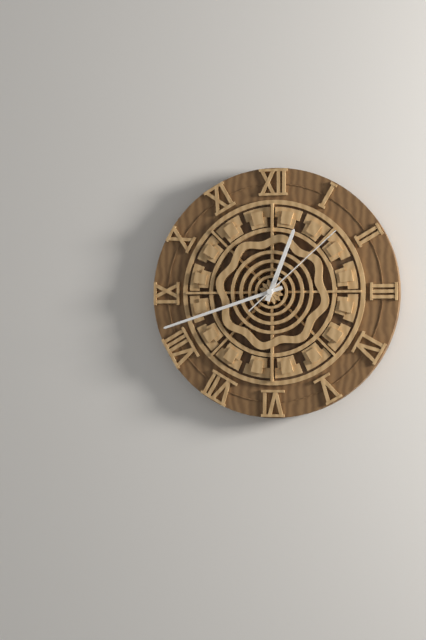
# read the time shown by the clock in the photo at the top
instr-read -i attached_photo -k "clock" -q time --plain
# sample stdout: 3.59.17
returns 12.42.08
